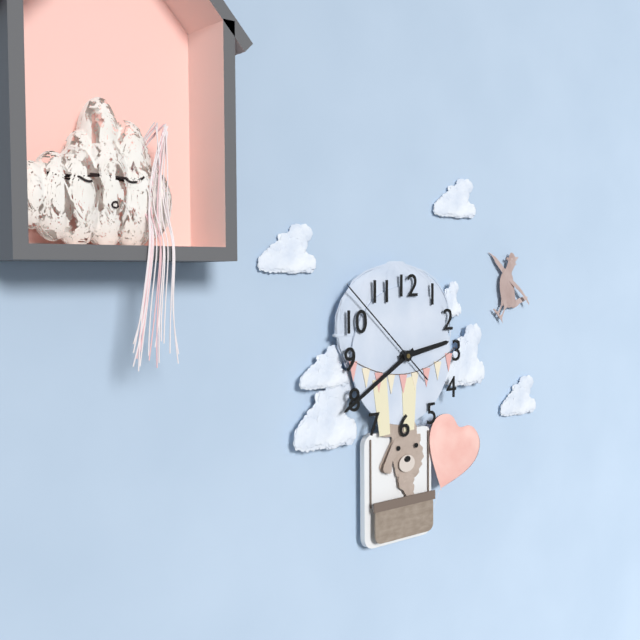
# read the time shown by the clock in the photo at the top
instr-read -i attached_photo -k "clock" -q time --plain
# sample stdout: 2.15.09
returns 2.40.52
